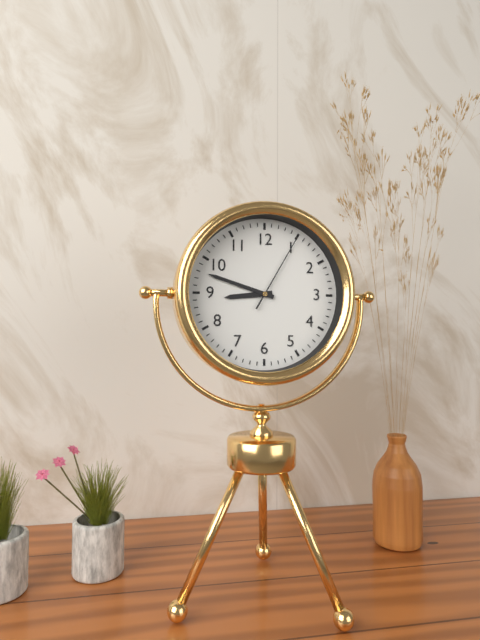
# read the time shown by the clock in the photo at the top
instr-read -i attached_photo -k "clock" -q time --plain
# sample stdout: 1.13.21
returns 8.48.05
